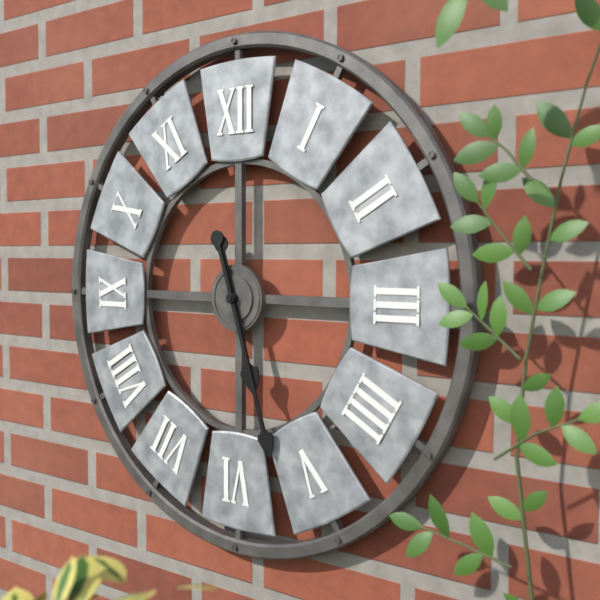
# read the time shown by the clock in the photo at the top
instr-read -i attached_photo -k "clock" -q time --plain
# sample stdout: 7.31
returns 5.27
